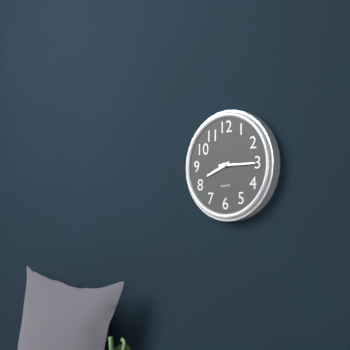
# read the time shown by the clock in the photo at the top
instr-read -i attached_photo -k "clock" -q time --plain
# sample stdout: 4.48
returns 8.15
